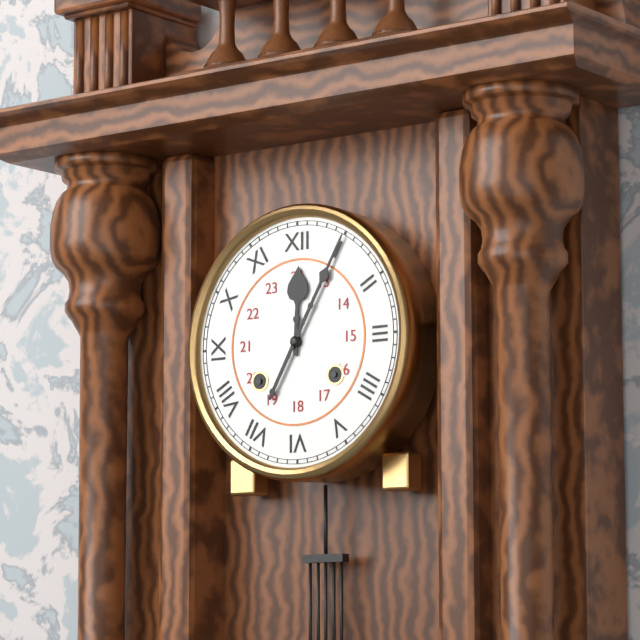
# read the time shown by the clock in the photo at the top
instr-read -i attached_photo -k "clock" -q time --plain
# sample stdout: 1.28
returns 12.05
